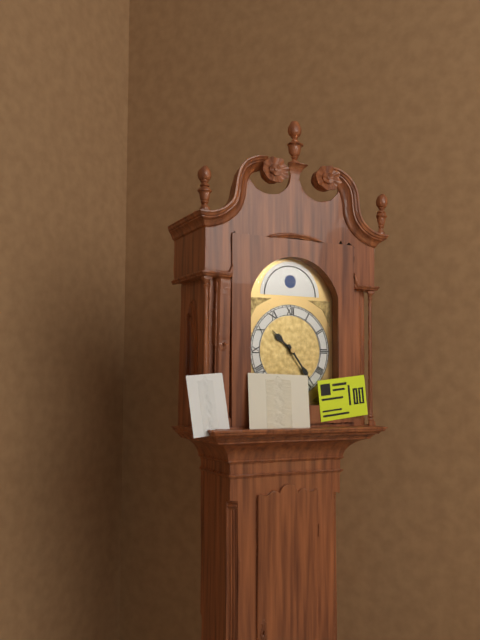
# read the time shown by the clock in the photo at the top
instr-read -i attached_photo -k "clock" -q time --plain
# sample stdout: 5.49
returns 10.24
